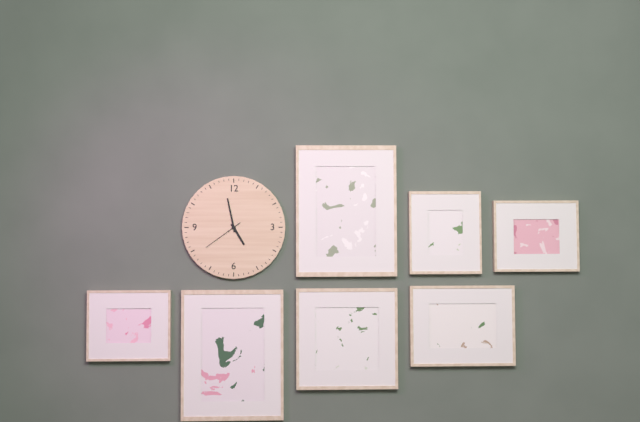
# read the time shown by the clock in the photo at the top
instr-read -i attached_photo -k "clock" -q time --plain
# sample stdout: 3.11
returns 4.58
